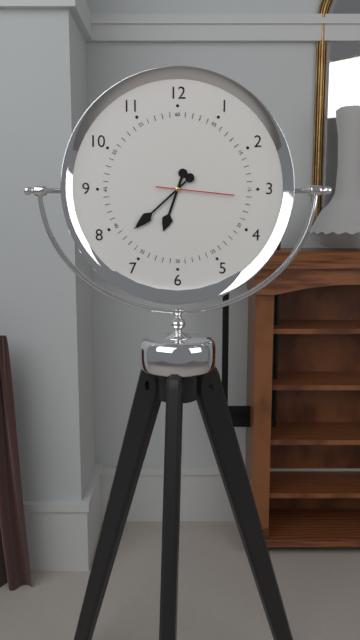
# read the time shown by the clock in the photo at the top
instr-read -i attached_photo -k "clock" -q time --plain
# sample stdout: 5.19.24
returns 6.38.16
